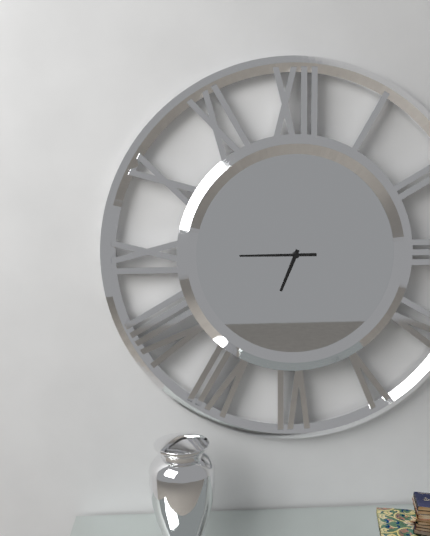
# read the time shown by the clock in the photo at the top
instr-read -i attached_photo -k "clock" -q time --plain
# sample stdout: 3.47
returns 6.45
